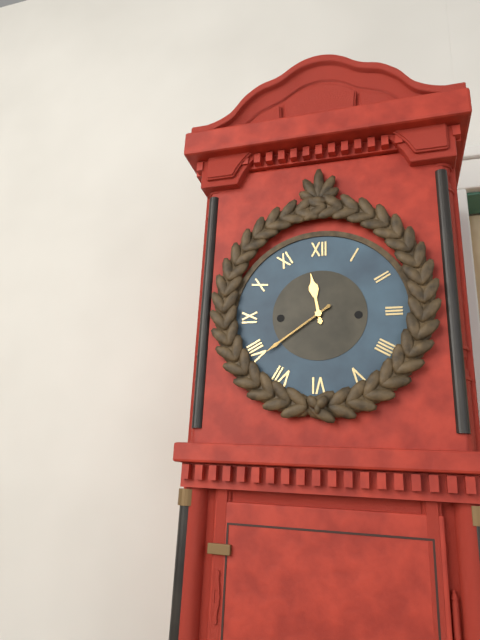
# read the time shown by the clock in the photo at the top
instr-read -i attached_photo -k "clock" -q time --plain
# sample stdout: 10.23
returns 11.39
